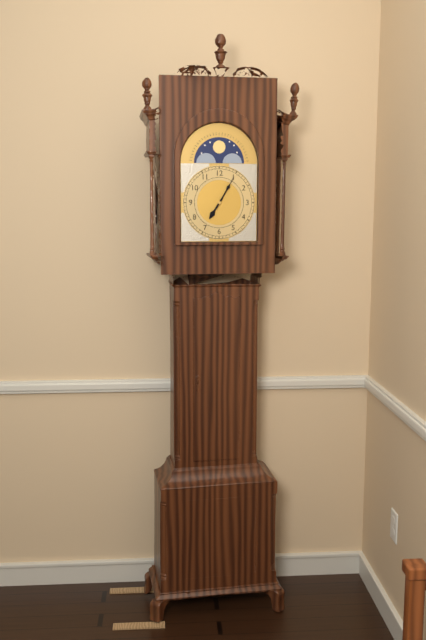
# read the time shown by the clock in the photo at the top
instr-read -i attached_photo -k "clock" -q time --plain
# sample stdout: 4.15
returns 7.05
